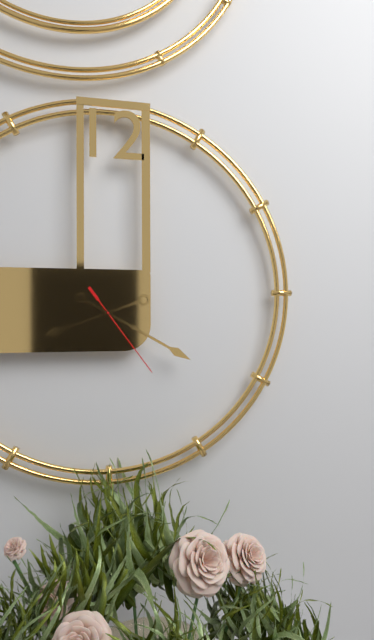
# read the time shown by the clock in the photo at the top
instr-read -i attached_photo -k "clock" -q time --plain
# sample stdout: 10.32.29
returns 8.20.24
